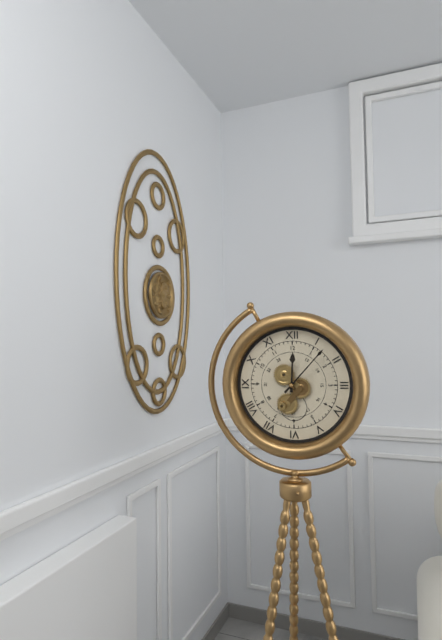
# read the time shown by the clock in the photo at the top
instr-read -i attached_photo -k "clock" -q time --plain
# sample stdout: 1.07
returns 12.07
